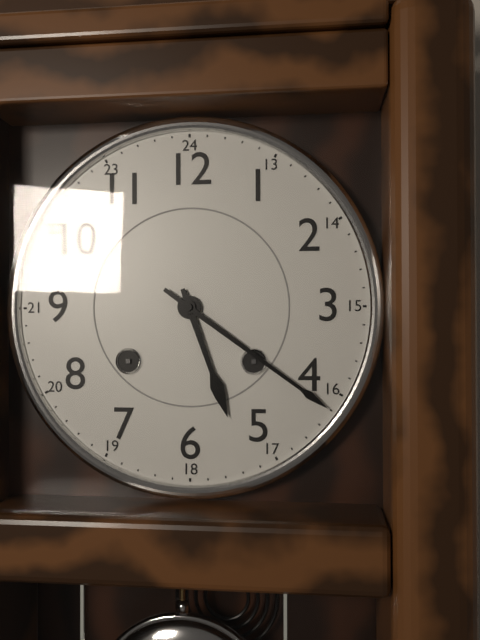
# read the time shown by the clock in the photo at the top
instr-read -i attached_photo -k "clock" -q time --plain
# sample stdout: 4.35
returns 5.21
